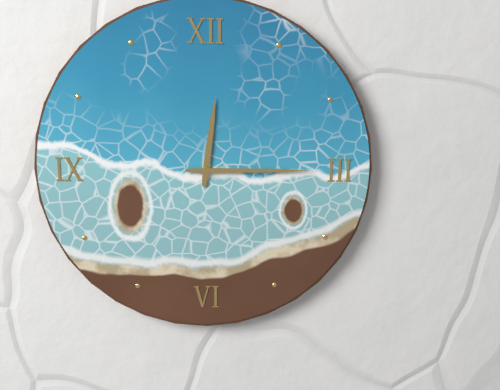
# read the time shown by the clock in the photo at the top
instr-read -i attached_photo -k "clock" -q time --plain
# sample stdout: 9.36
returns 12.15
